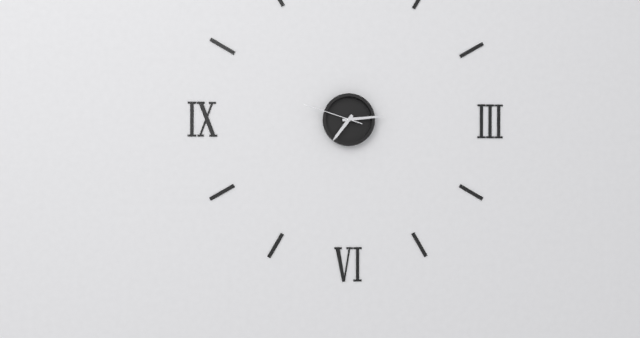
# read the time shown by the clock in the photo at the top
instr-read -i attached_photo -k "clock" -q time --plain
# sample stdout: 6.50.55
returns 7.14.48
